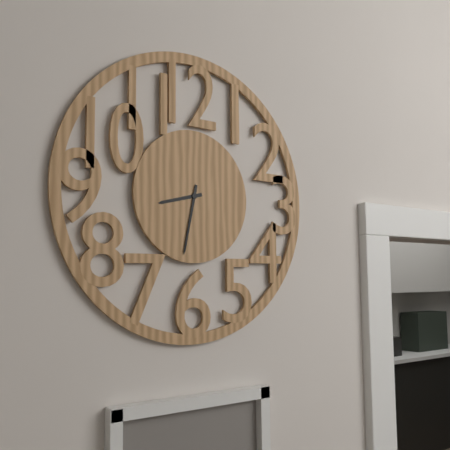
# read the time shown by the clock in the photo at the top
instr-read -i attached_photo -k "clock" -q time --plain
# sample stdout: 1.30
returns 8.32
